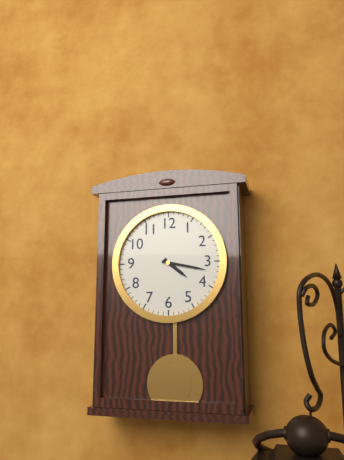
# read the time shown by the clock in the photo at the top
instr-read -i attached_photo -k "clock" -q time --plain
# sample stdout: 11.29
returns 4.17
